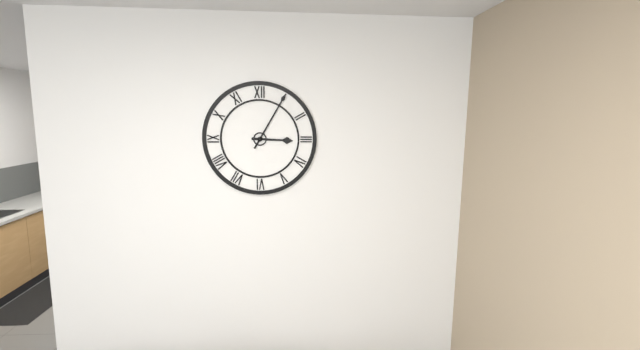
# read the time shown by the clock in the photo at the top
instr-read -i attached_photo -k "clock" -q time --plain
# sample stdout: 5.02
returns 3.05
